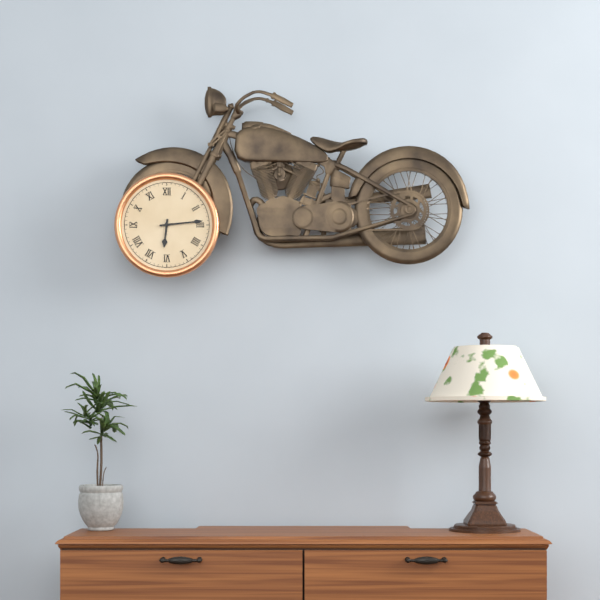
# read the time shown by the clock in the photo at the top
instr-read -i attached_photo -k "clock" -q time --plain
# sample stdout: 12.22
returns 6.14
